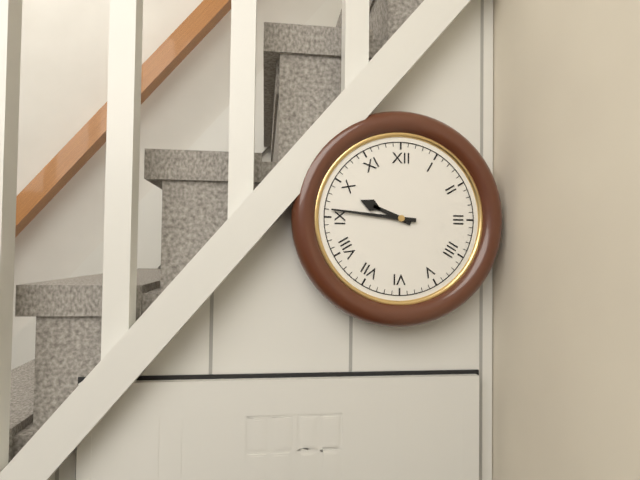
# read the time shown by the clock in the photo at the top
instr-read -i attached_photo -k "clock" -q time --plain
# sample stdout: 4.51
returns 9.46
